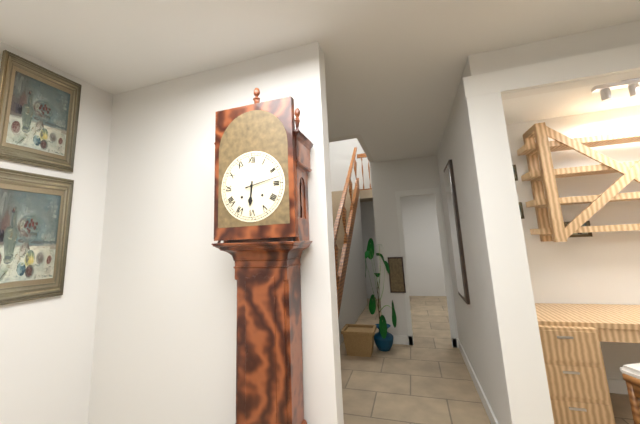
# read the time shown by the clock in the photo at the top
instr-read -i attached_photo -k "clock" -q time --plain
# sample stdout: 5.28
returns 6.13
